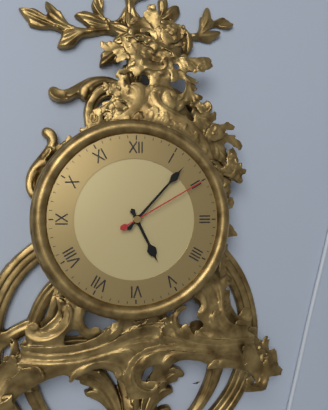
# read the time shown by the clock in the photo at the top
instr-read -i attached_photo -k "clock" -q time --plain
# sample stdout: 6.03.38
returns 5.07.10
